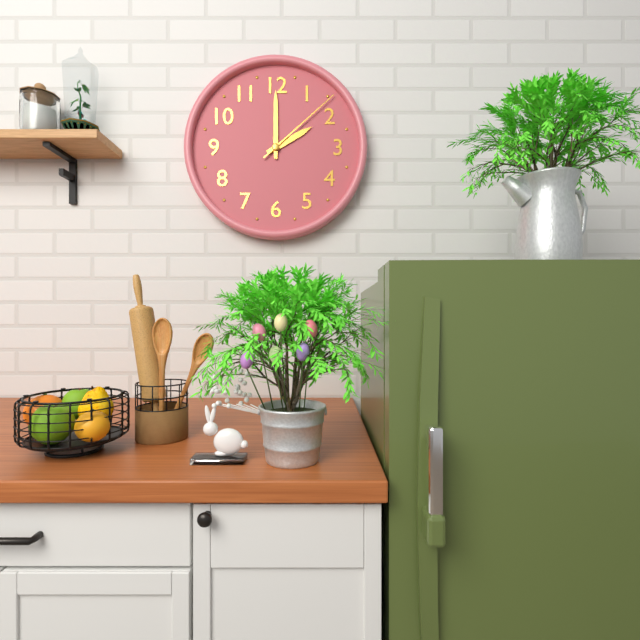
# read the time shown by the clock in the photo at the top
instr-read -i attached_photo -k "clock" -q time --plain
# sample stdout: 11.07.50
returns 2.00.08
